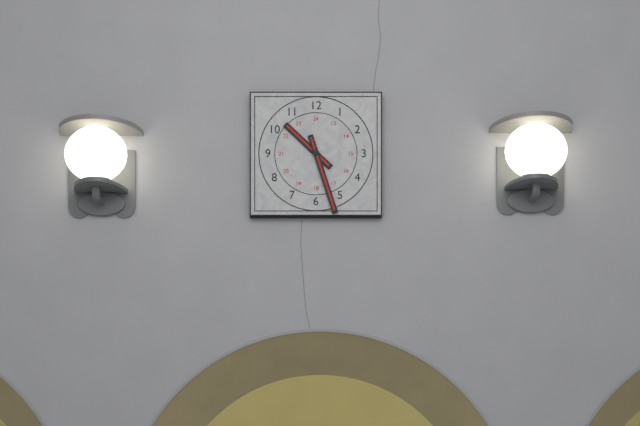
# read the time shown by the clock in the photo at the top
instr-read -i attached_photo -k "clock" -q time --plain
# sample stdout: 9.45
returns 10.27
